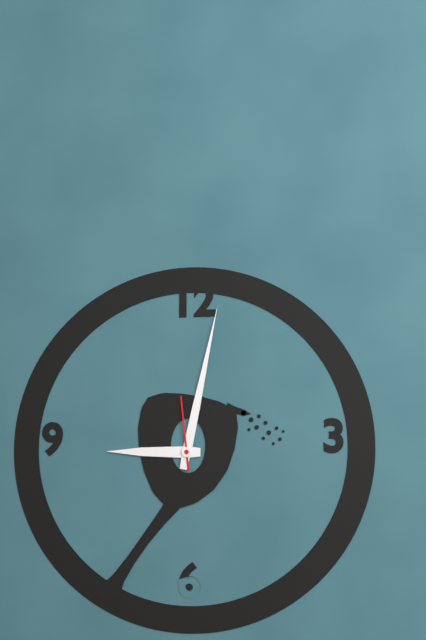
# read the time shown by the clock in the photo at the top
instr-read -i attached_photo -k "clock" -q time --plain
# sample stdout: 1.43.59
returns 9.02.59
